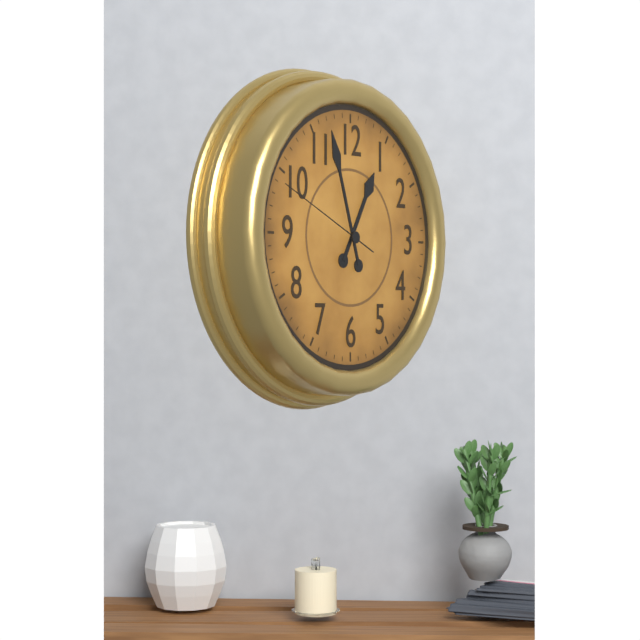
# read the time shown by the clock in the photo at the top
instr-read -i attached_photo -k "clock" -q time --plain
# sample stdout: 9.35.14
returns 12.57.49
